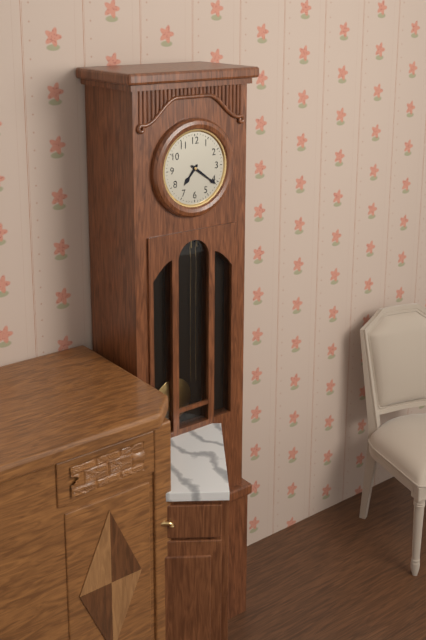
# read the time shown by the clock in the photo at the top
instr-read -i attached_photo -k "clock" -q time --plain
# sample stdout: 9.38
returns 7.21
